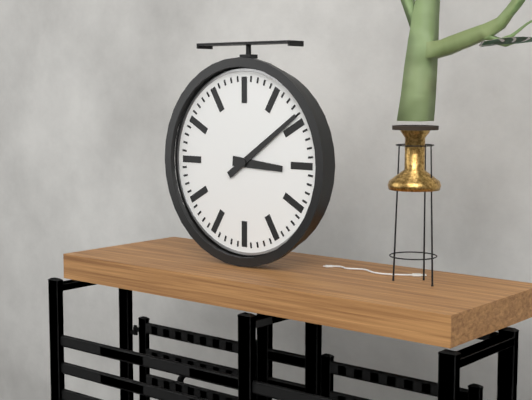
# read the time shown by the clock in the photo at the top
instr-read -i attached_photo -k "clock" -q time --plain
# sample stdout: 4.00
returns 3.09
